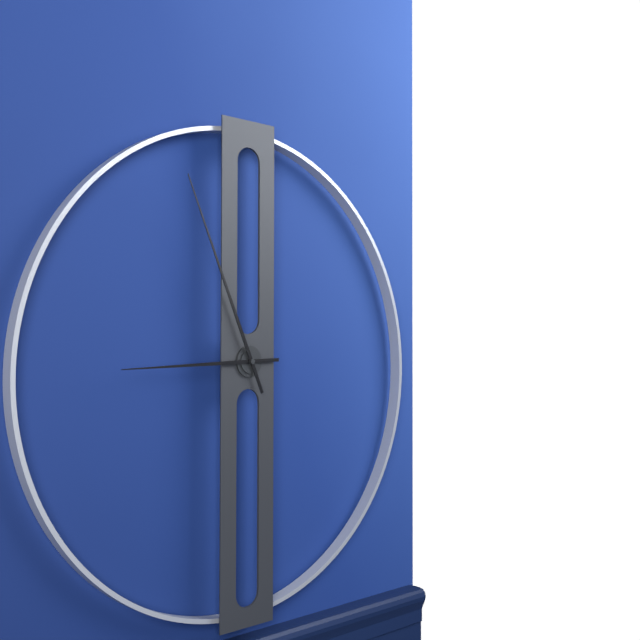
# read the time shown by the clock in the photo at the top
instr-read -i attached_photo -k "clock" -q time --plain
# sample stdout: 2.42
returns 8.56
